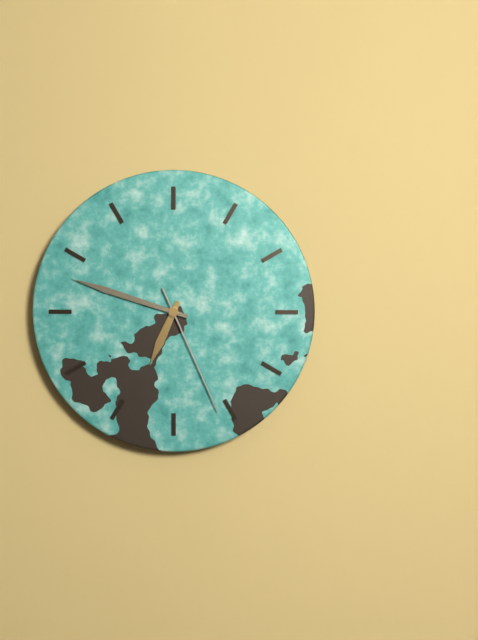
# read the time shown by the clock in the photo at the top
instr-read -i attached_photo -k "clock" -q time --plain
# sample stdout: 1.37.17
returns 6.48.26
